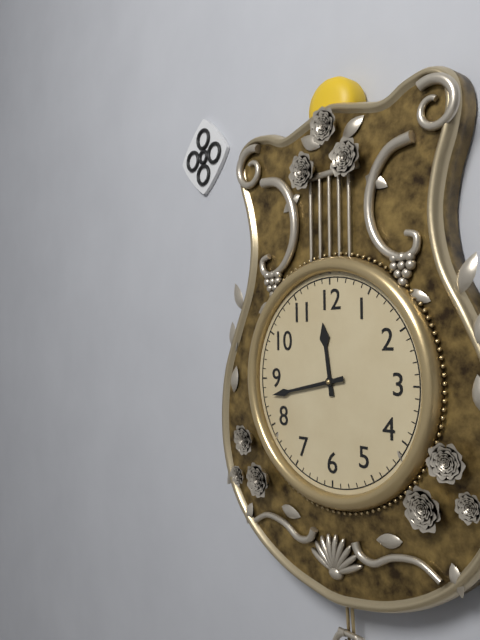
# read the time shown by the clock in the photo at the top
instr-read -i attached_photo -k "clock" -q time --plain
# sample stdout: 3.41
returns 11.43
